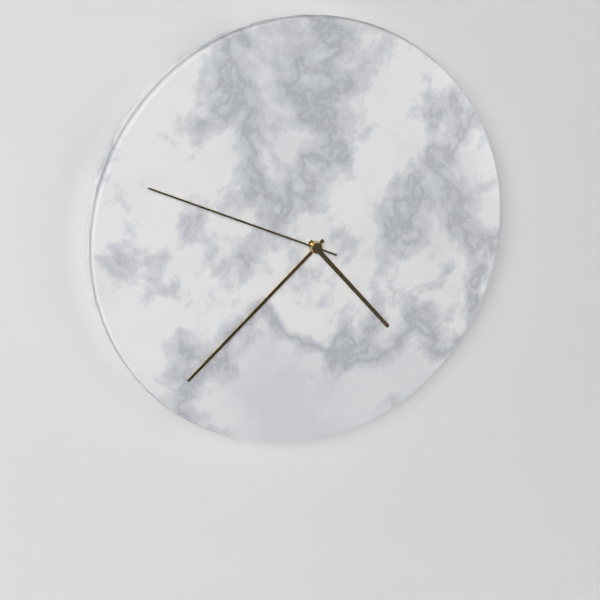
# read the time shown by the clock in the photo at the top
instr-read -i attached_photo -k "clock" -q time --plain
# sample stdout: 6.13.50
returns 4.38.49
